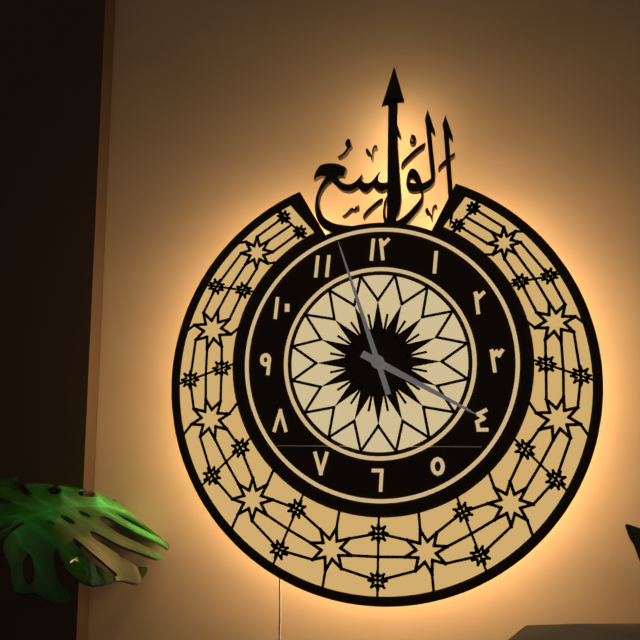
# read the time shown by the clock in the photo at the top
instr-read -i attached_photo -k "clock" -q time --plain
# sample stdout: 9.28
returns 3.57
